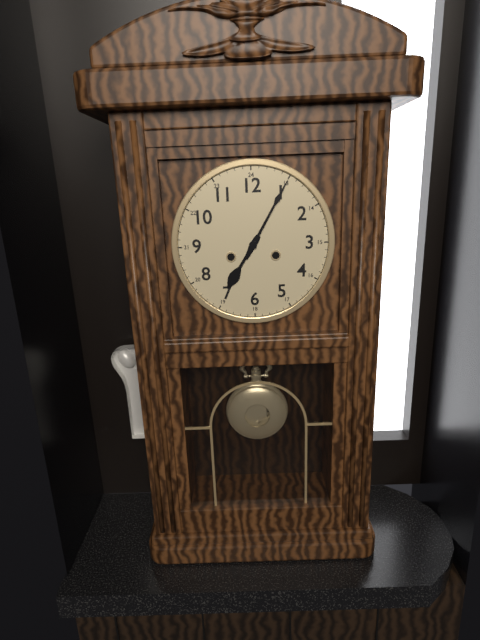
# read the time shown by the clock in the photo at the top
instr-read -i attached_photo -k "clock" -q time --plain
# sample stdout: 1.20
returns 7.05
